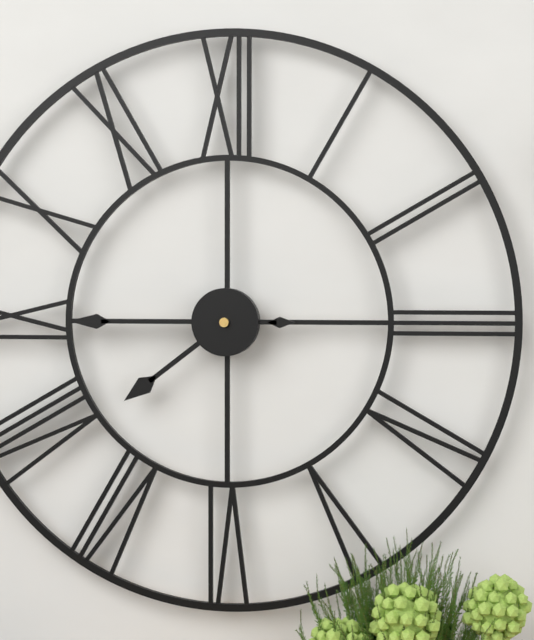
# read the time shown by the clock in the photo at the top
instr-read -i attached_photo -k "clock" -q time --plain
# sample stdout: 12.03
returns 7.45
